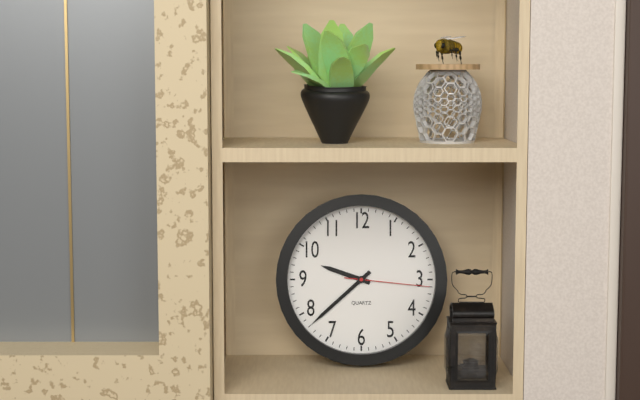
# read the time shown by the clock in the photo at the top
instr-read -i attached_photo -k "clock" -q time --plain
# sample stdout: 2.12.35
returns 9.38.16
